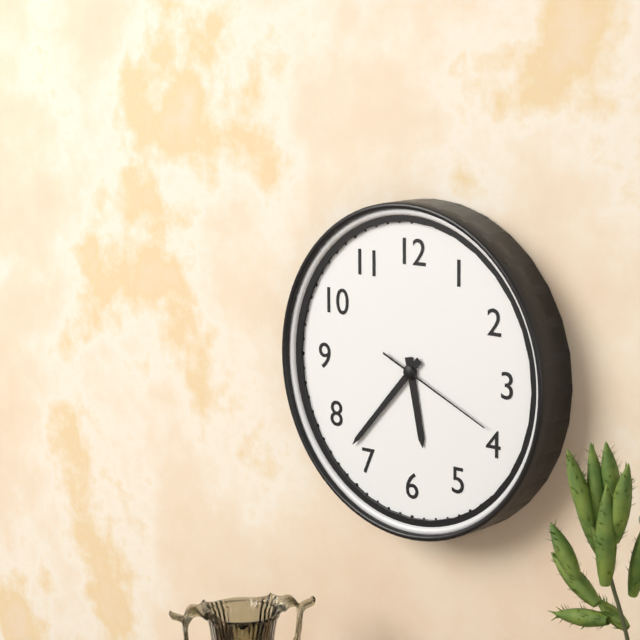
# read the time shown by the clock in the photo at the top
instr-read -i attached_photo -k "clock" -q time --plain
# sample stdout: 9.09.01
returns 5.37.19
